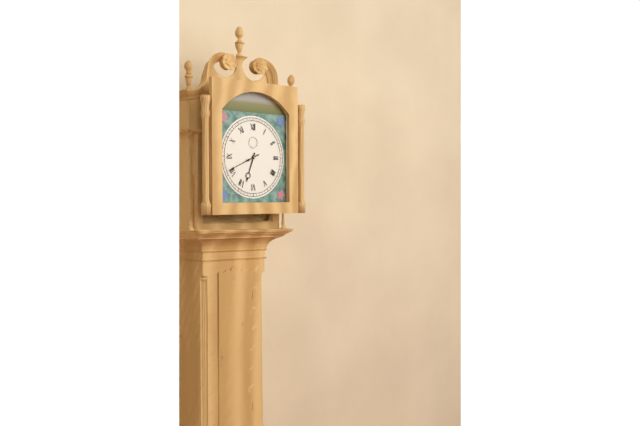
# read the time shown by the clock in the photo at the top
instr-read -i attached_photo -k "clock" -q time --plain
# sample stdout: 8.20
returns 6.41
